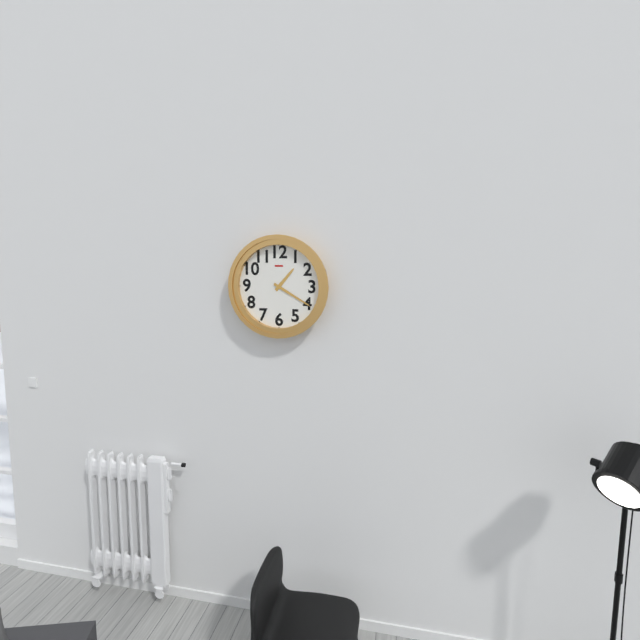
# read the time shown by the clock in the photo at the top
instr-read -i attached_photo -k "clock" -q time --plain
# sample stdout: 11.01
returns 1.20
